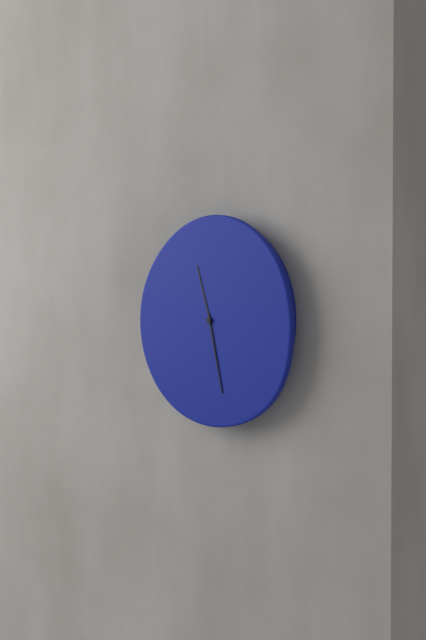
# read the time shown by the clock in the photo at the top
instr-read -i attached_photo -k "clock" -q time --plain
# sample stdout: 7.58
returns 11.28
